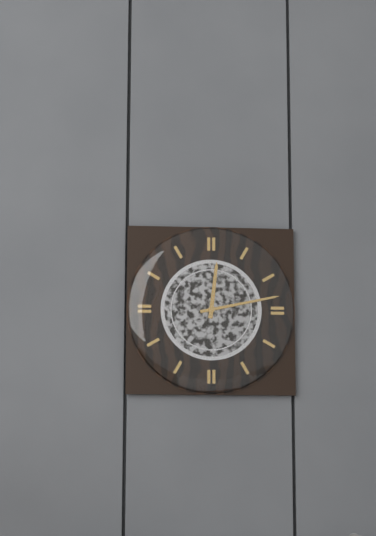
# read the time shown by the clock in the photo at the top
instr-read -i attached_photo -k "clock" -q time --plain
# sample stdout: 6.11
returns 12.13
